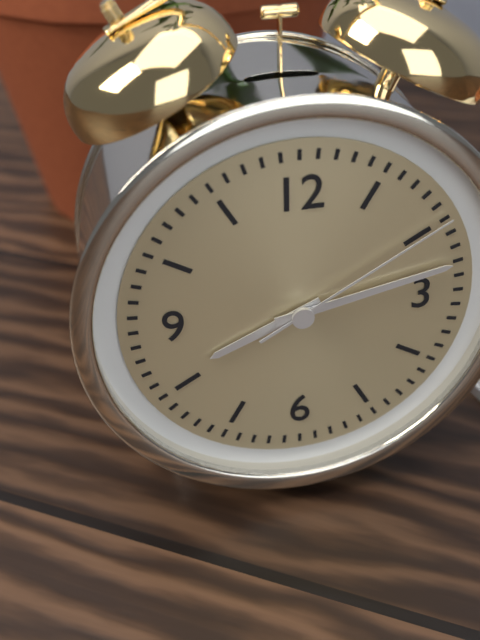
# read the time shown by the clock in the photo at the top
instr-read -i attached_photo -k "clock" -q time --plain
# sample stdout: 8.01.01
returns 8.13.10
